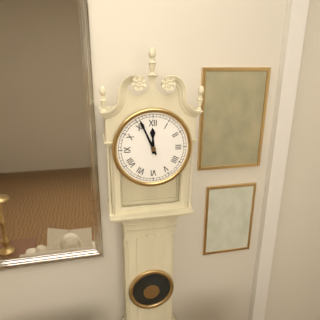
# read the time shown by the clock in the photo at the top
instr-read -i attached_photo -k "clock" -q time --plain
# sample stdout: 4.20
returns 11.56
